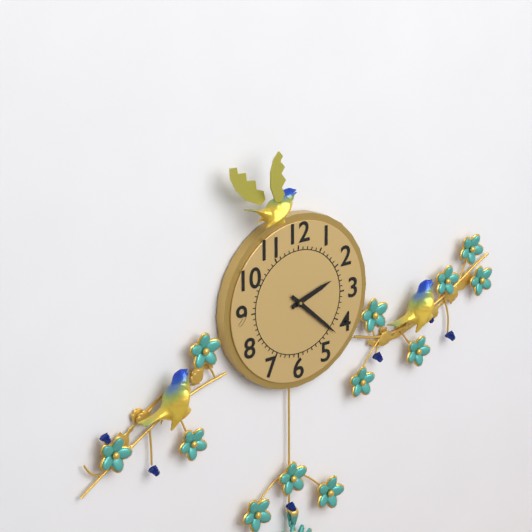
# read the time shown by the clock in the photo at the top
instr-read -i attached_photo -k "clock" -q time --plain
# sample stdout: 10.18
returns 2.22
